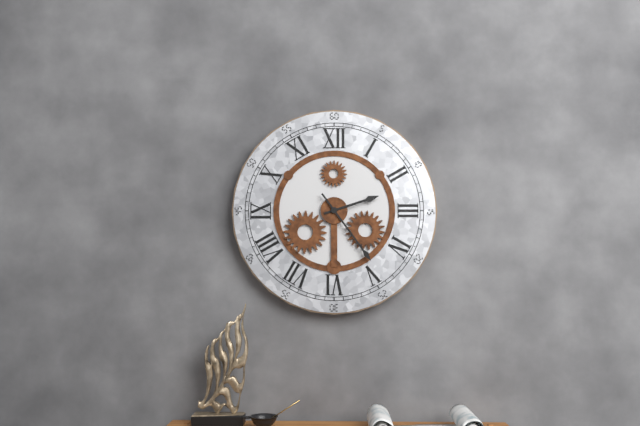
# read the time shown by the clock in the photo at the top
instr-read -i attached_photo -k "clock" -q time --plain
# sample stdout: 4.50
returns 2.24
